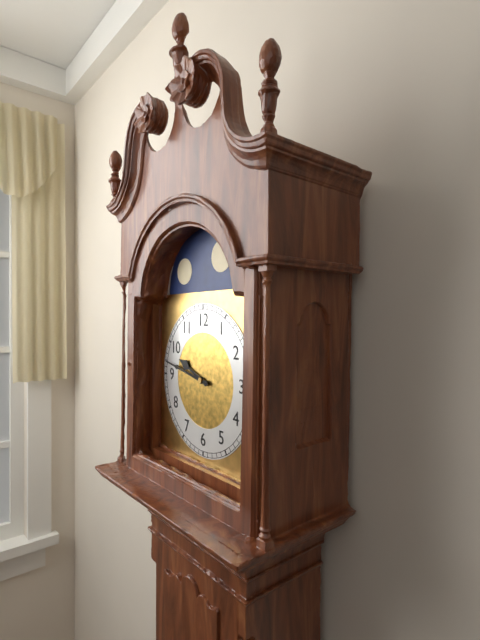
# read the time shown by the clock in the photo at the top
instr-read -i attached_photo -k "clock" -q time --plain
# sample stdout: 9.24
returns 9.47
